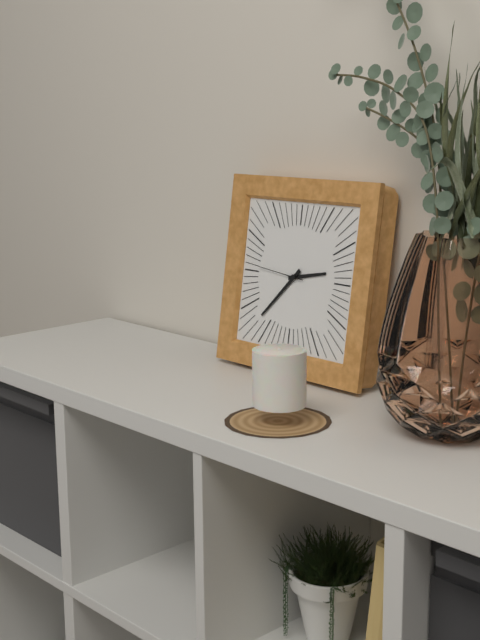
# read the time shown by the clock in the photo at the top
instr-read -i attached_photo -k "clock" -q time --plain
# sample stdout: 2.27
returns 2.37
